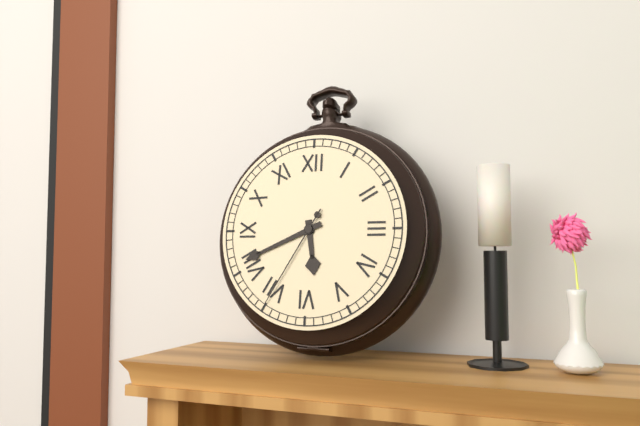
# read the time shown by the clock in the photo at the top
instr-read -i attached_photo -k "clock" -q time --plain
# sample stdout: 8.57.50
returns 5.41.35
